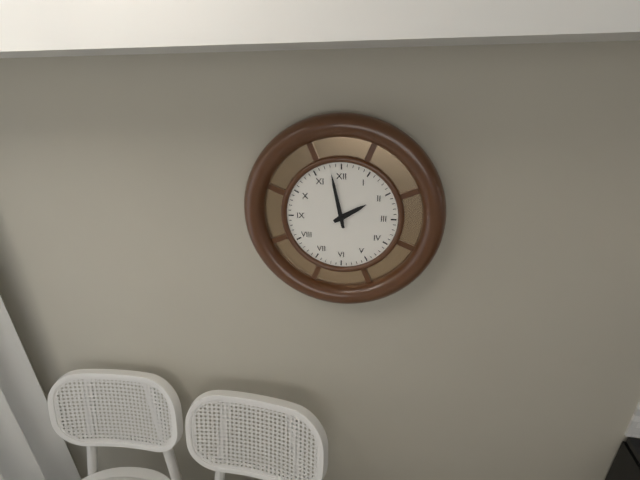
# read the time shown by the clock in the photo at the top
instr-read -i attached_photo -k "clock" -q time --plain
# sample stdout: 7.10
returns 1.58
